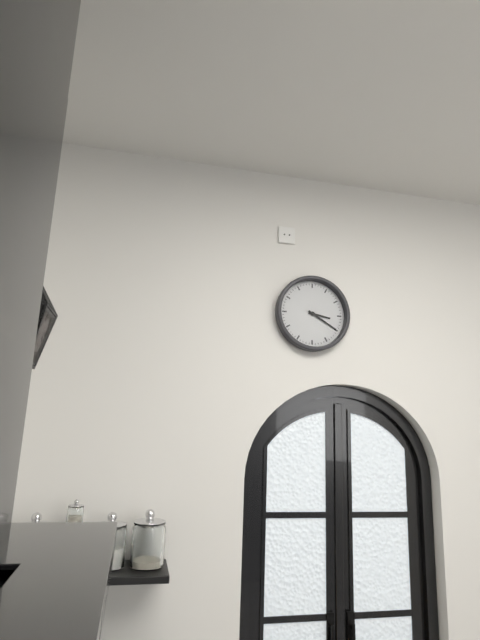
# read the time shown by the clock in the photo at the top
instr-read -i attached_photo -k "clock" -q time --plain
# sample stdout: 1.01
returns 3.20
